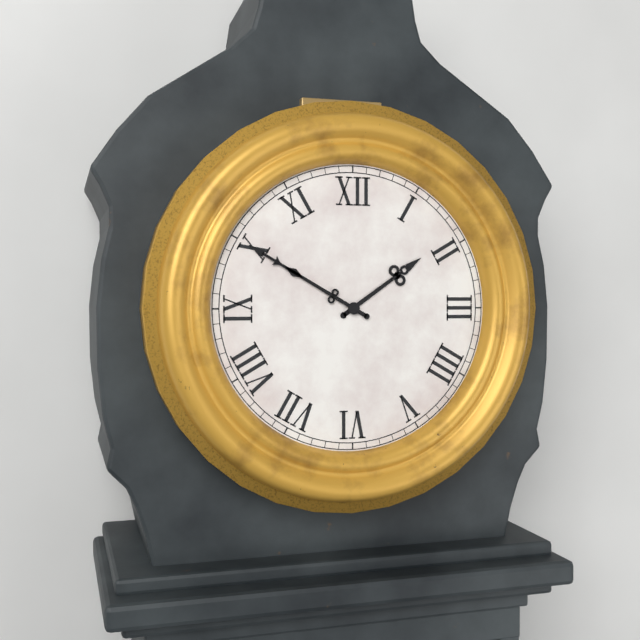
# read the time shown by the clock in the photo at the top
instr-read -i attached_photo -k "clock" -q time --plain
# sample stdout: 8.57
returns 1.50
